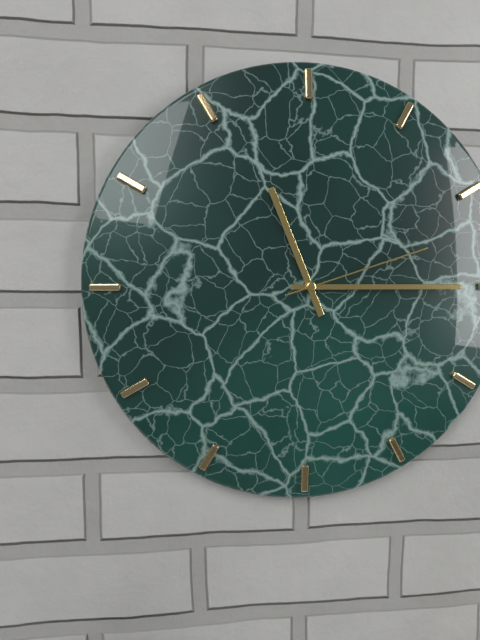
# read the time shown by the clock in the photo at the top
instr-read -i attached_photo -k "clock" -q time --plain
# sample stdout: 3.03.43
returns 11.15.12
